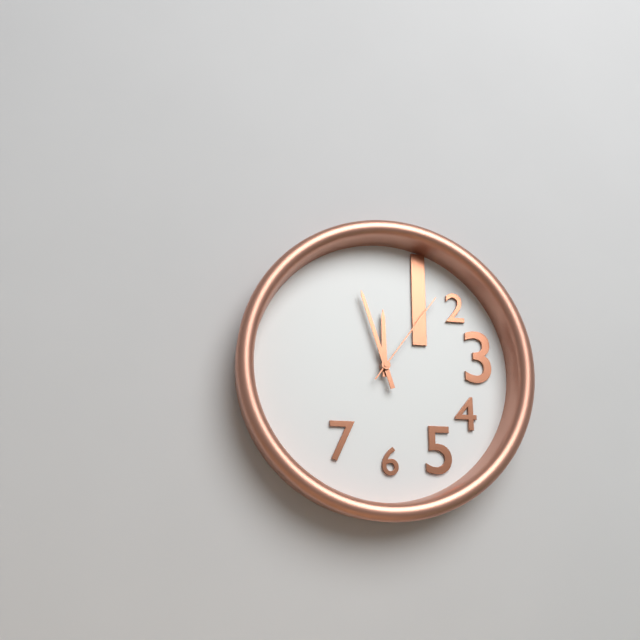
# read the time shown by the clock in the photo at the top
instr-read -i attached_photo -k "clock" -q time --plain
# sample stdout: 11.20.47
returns 11.57.06
